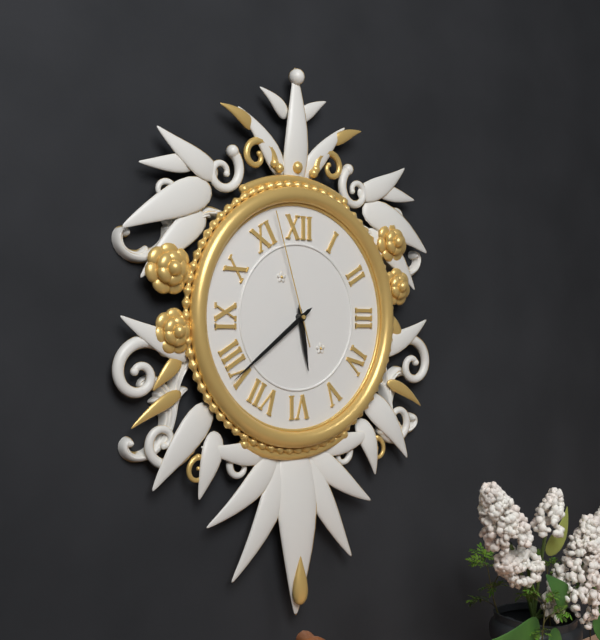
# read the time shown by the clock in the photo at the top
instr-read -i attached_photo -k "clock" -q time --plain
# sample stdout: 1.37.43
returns 5.39.57
